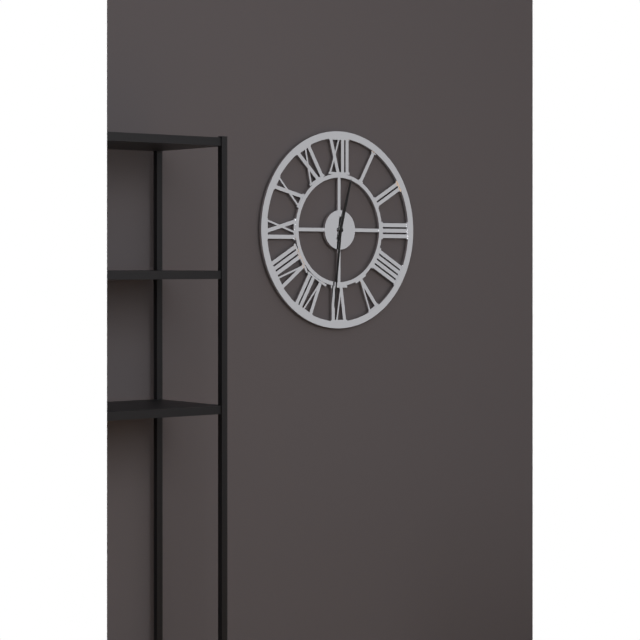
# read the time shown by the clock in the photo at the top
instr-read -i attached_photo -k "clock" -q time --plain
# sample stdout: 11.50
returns 12.31
